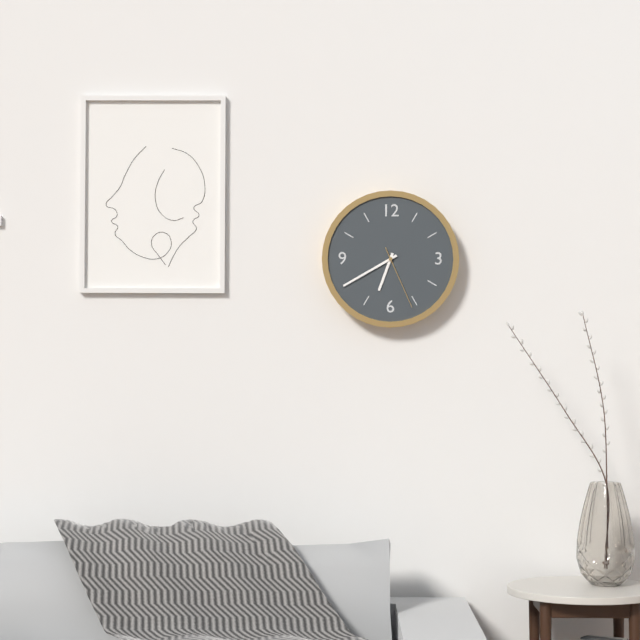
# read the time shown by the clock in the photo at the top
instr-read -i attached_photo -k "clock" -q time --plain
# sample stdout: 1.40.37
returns 6.40.26
